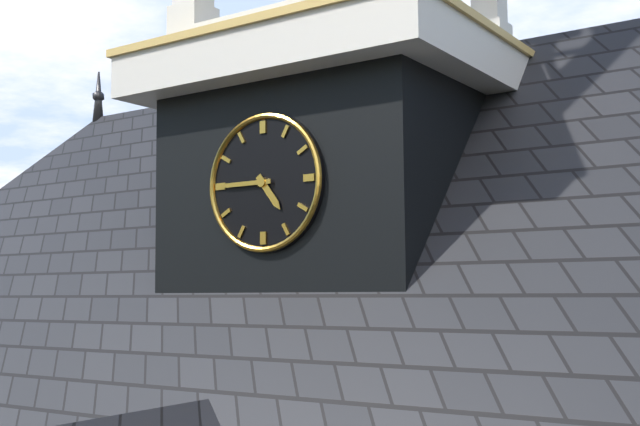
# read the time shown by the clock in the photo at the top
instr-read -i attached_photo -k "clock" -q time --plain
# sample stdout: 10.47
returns 4.45
